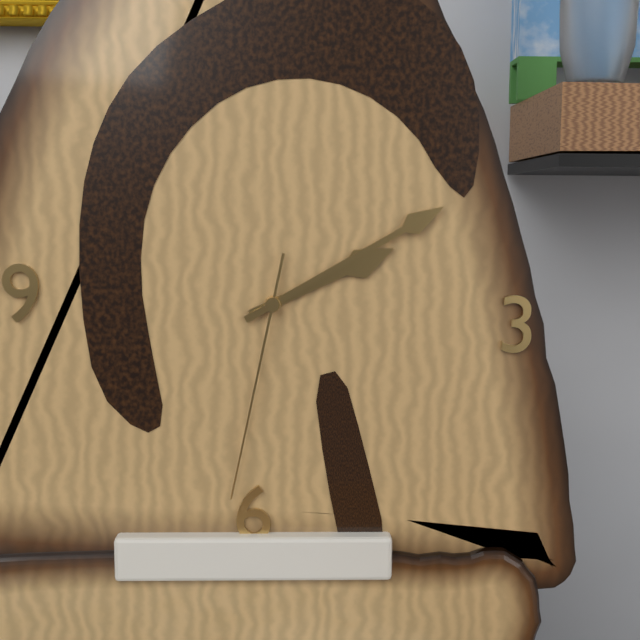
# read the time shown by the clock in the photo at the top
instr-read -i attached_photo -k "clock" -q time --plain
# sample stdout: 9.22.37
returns 2.10.32
